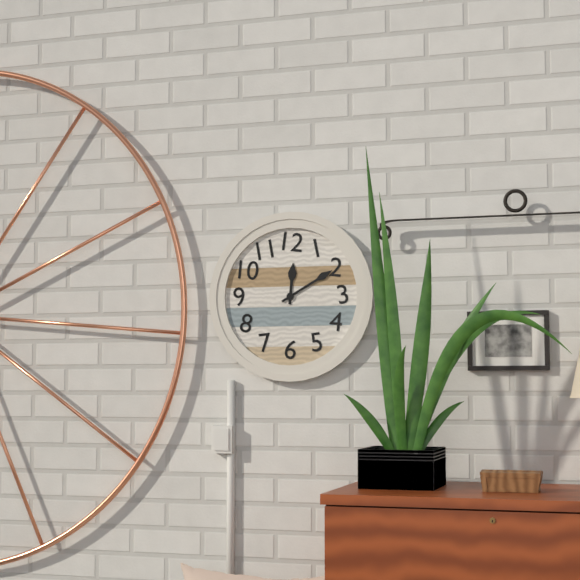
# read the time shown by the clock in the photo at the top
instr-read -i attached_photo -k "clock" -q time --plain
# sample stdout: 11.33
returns 12.10
